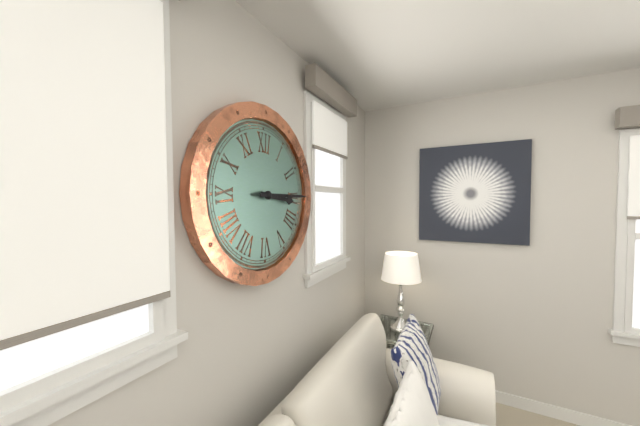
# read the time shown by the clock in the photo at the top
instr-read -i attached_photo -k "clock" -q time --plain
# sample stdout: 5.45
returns 3.15
